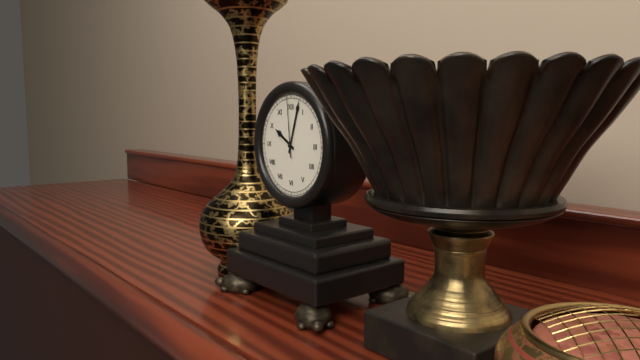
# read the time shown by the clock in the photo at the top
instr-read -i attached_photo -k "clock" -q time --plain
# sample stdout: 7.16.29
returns 10.03.59
